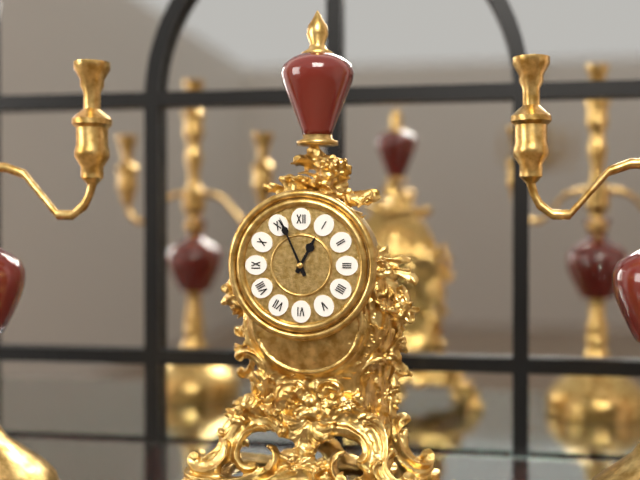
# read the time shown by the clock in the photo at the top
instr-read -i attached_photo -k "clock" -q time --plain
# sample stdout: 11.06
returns 12.56
